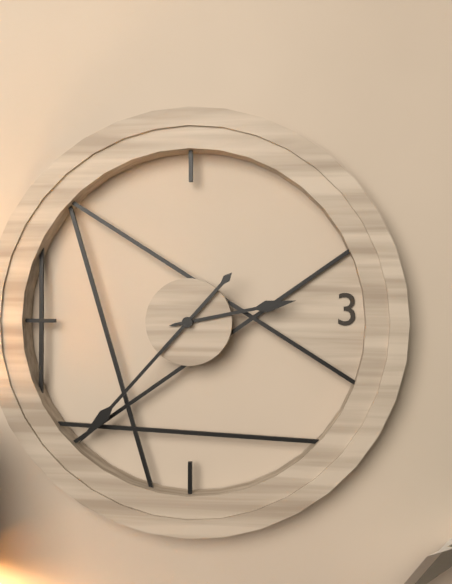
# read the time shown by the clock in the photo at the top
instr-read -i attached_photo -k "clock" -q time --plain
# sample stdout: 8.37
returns 2.37
